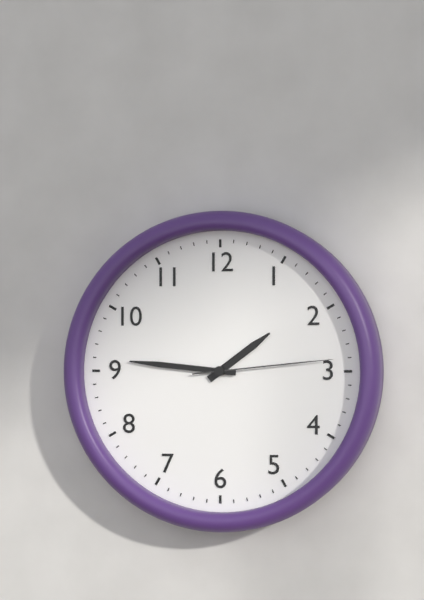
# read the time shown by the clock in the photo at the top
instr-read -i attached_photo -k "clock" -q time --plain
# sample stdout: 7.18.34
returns 1.46.14
